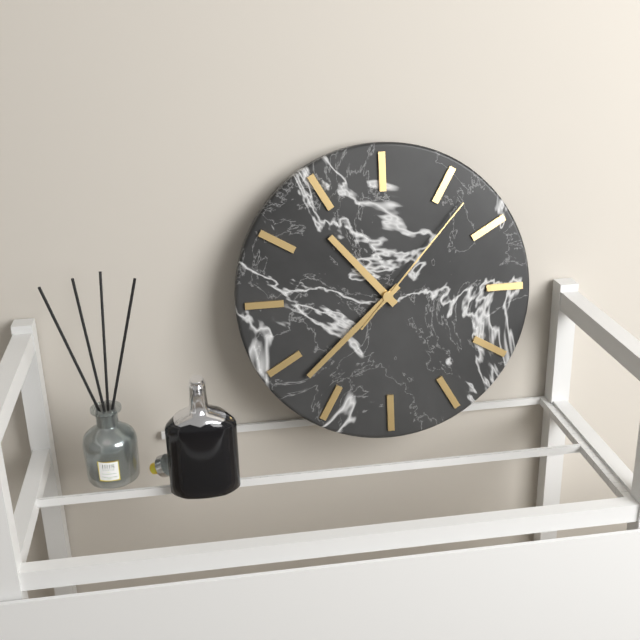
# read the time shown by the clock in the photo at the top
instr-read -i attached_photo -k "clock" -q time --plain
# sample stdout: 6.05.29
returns 10.38.07
